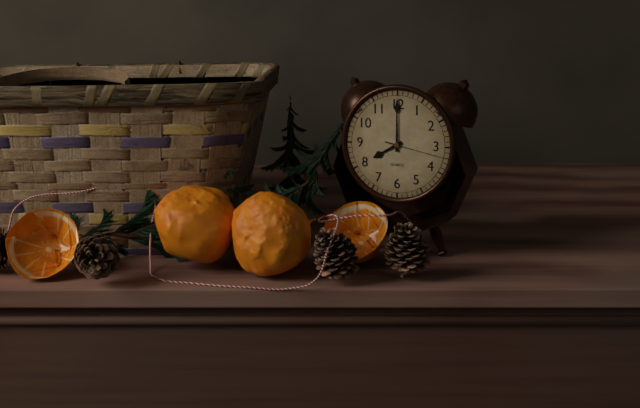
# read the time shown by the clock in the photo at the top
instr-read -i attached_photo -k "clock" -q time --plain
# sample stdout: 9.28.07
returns 8.00.17
